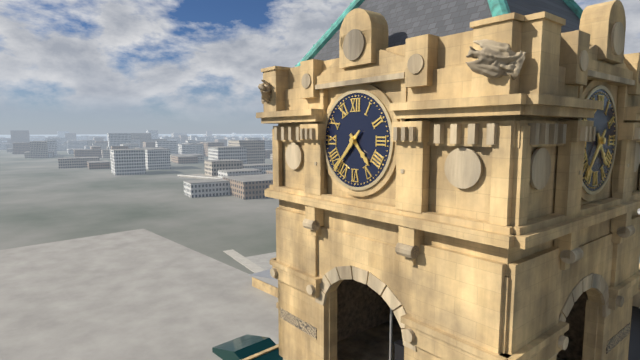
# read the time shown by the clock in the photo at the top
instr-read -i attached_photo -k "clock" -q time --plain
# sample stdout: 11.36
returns 4.37
